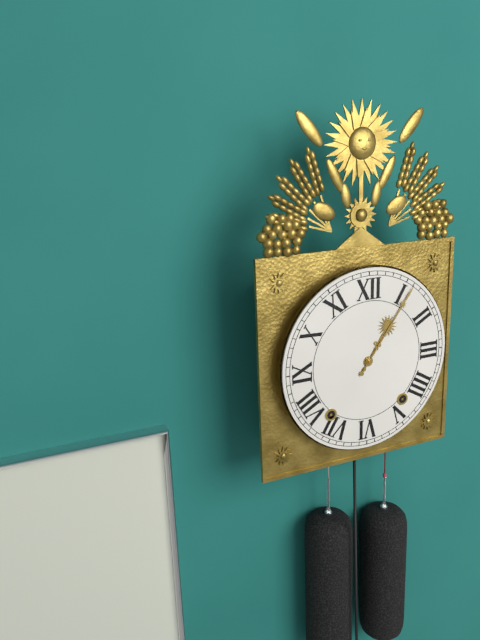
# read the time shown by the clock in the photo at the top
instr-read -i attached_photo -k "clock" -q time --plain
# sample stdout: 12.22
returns 1.06
